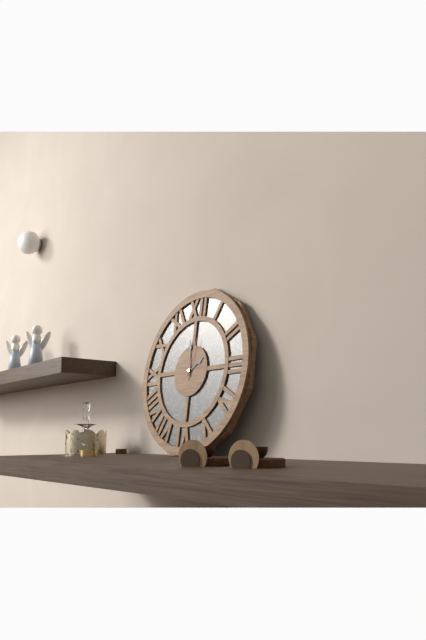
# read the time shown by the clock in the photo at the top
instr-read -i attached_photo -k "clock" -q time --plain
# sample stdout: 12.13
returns 1.59
